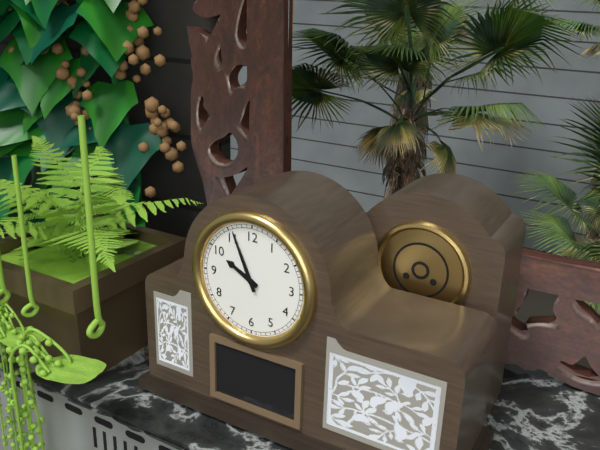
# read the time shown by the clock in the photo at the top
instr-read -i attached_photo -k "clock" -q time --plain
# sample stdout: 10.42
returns 9.56
